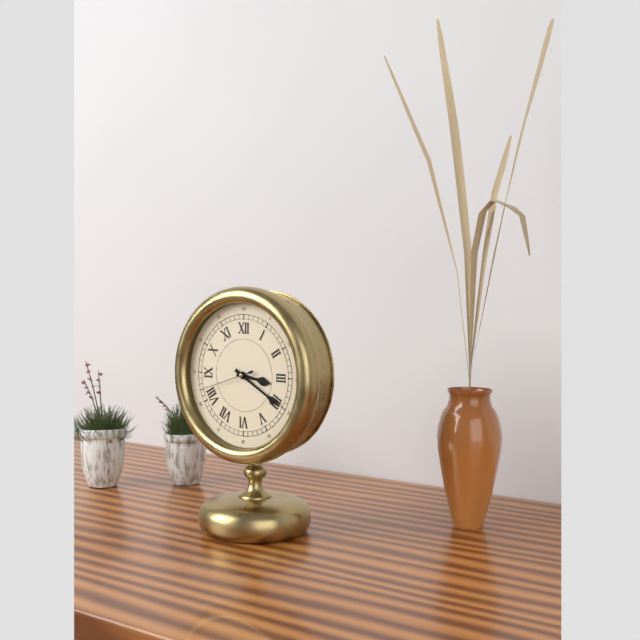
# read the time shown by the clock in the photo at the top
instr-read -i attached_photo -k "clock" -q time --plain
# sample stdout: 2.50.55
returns 3.20.42
